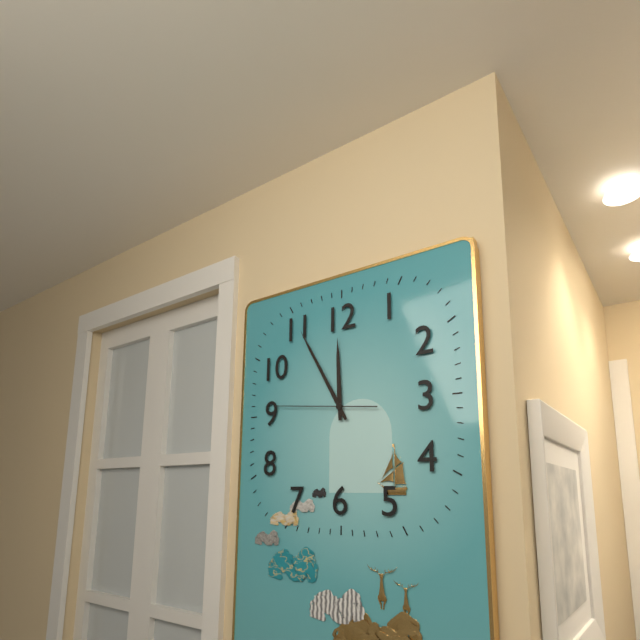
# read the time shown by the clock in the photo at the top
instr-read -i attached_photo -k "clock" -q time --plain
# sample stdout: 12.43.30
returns 11.55.46
